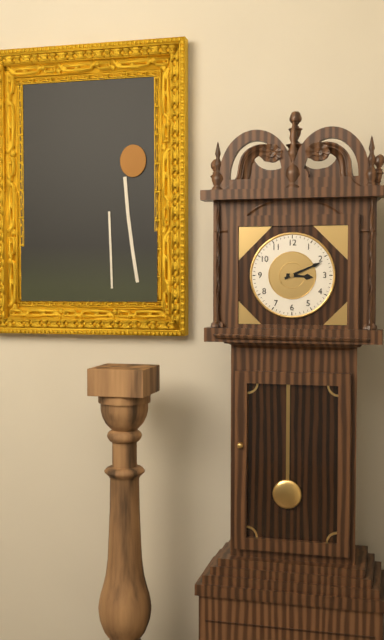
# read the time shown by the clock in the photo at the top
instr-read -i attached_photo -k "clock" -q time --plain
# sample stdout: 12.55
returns 3.11
